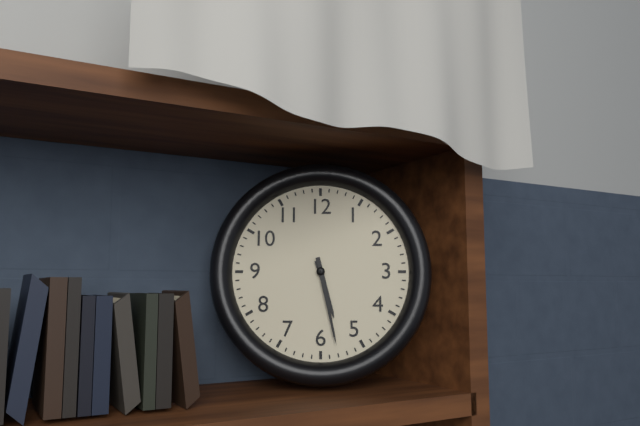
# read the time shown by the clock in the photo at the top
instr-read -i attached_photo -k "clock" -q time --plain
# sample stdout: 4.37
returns 5.28
